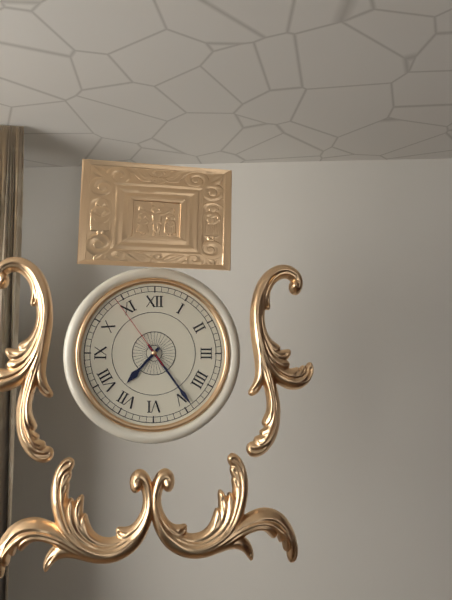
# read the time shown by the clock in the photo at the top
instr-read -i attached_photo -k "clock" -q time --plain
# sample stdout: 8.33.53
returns 7.24.54
